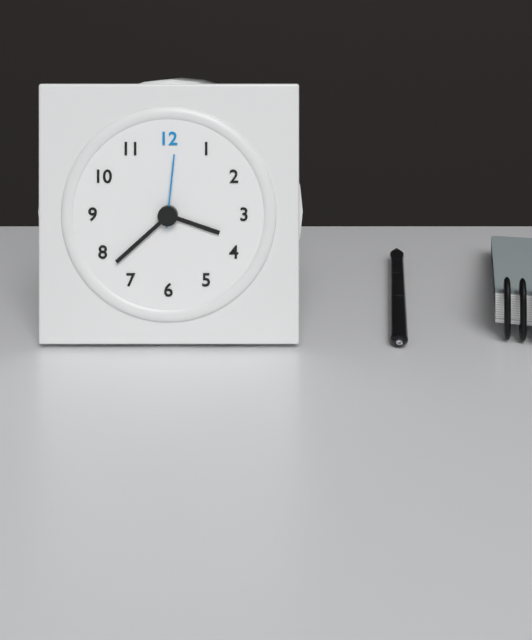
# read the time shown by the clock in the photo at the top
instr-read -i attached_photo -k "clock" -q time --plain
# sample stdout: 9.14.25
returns 3.38.01
